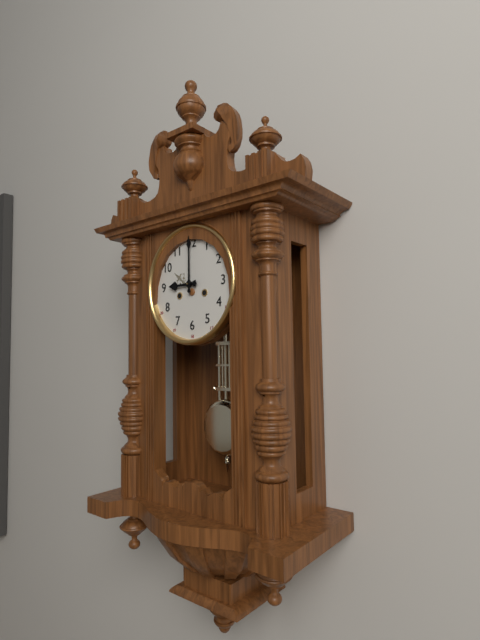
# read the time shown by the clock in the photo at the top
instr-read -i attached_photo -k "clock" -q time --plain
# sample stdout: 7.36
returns 9.00
